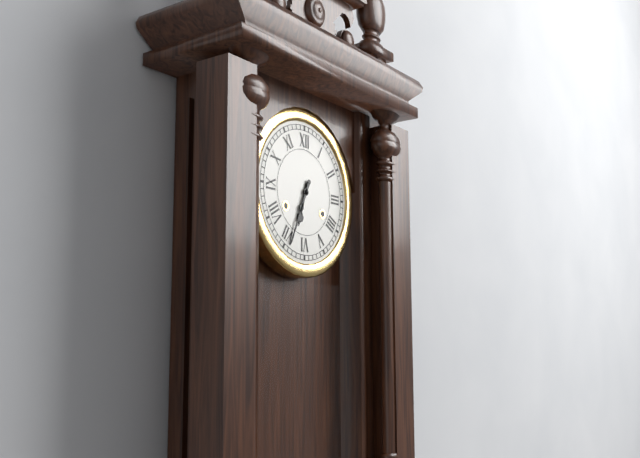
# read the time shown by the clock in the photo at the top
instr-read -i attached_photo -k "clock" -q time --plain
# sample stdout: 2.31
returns 6.34
